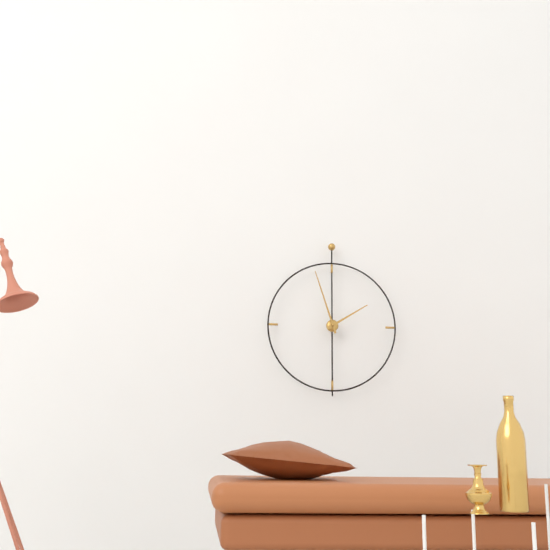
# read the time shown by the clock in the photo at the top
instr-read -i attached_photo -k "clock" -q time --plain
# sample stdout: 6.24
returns 1.57
